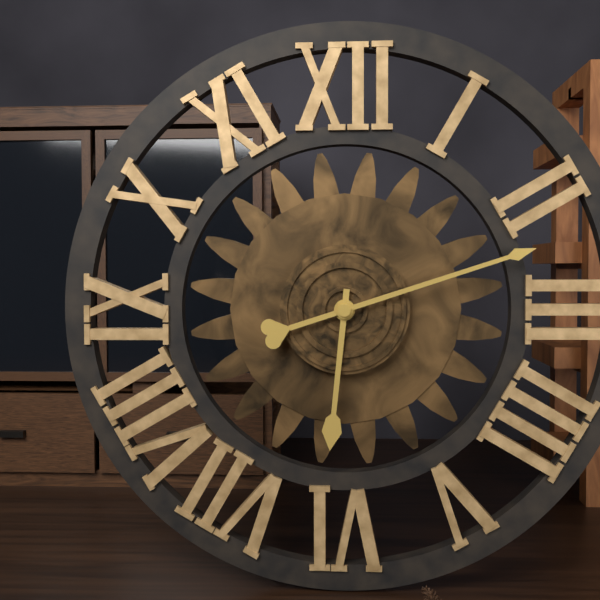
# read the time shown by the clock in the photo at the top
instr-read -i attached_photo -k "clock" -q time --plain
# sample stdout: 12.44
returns 6.12
